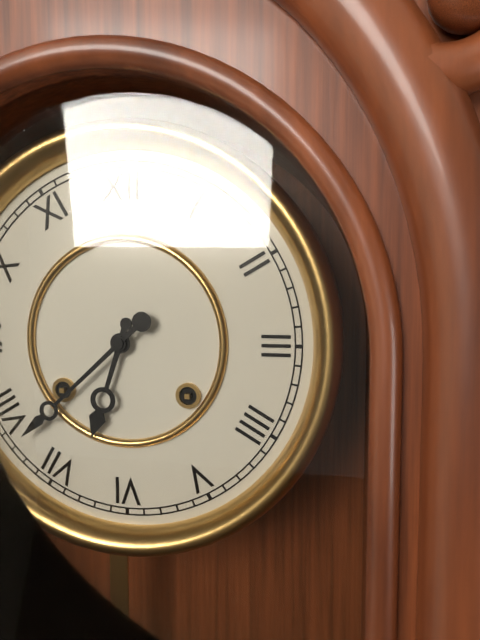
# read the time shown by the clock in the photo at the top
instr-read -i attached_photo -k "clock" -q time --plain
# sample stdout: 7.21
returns 6.38
